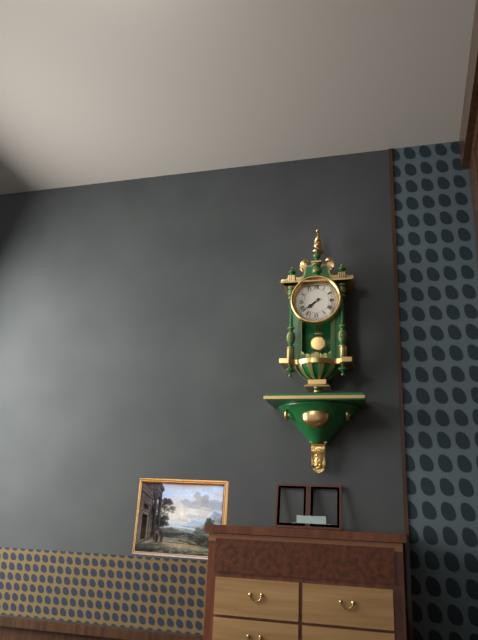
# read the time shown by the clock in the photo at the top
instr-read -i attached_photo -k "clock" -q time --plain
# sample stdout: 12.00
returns 7.39
